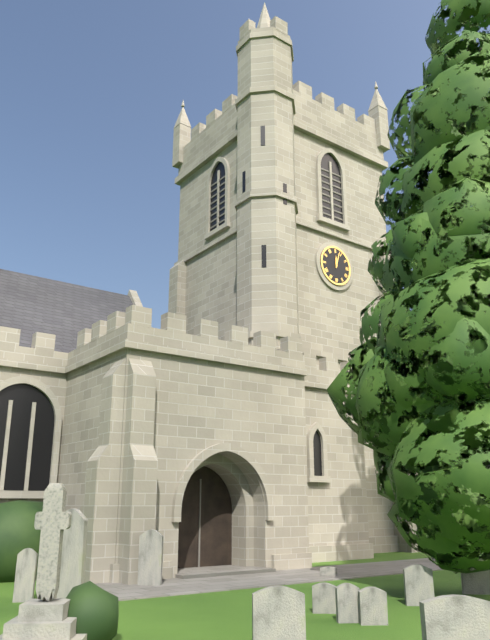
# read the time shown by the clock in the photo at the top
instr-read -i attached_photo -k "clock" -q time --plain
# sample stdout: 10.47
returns 12.03
